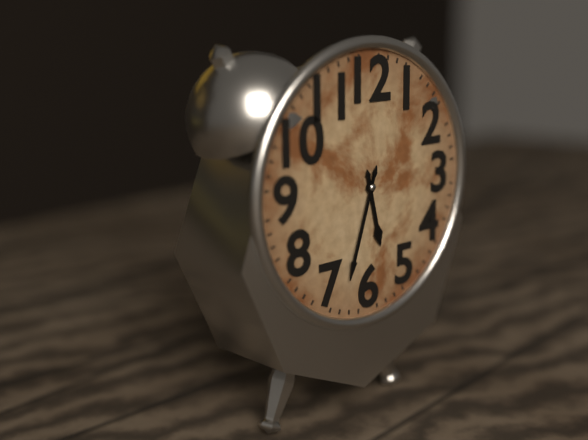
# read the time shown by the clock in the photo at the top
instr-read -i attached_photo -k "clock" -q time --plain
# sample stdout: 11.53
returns 5.33
